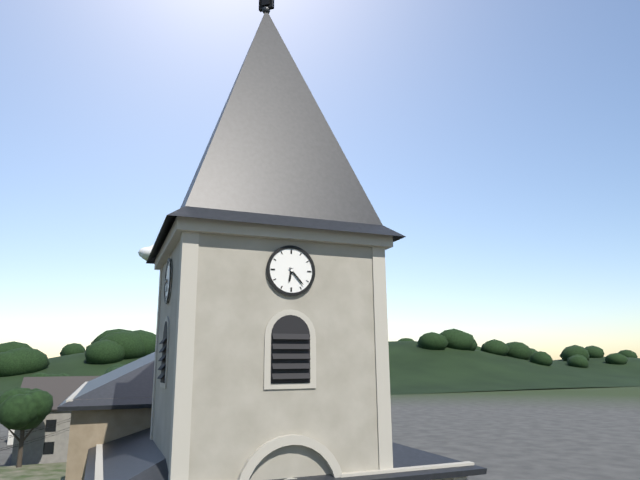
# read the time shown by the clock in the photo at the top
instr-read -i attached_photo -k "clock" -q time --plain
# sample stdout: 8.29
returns 6.23
